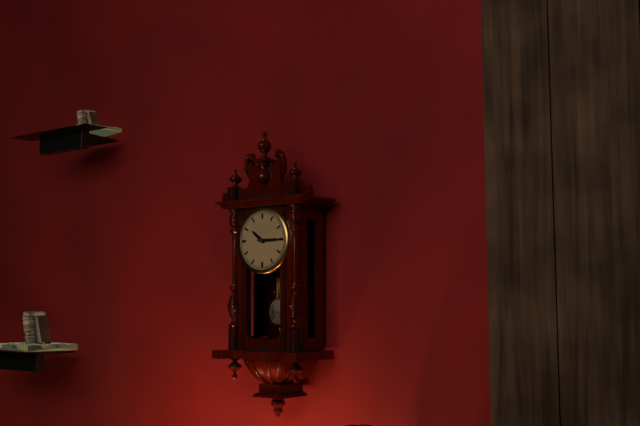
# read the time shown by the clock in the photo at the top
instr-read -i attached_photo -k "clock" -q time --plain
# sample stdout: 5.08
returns 10.15
